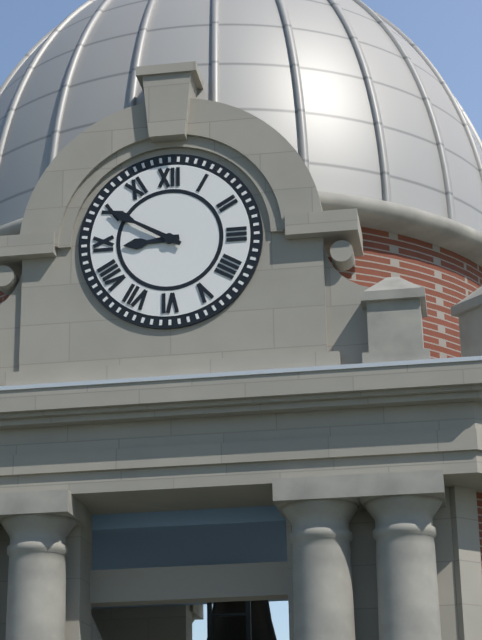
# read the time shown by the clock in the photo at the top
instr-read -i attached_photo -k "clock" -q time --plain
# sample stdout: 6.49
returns 8.50
